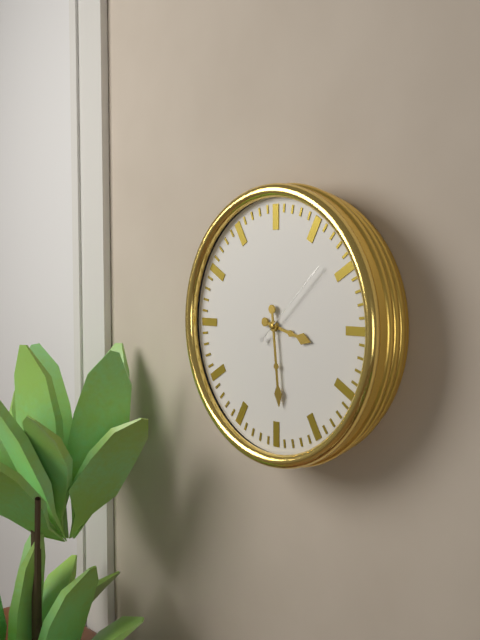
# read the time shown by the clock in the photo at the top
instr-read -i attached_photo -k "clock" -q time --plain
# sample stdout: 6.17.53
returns 3.29.08
